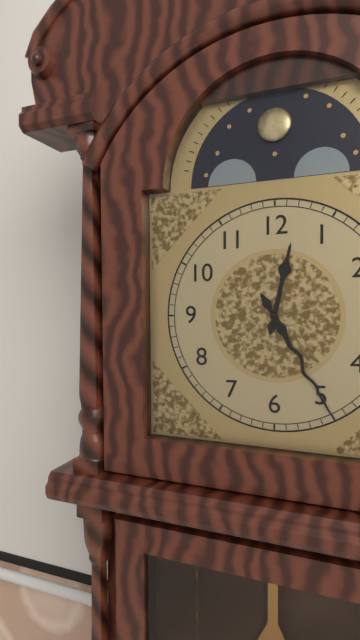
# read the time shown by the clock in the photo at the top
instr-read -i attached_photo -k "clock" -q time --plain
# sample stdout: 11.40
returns 12.25
